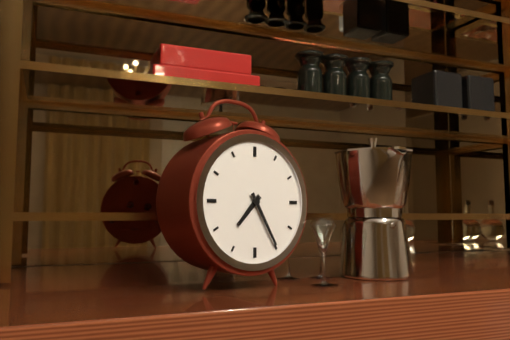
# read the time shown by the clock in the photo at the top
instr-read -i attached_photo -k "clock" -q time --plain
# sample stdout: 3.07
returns 7.25
